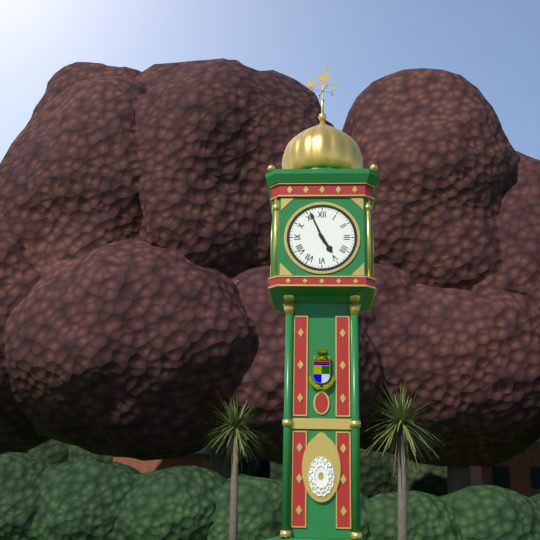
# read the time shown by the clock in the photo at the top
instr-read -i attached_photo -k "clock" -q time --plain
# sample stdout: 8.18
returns 4.56
